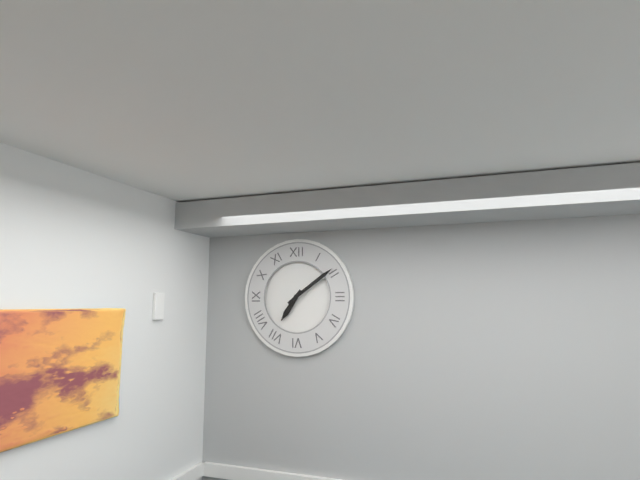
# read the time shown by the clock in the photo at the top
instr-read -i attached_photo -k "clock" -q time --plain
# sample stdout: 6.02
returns 7.09
